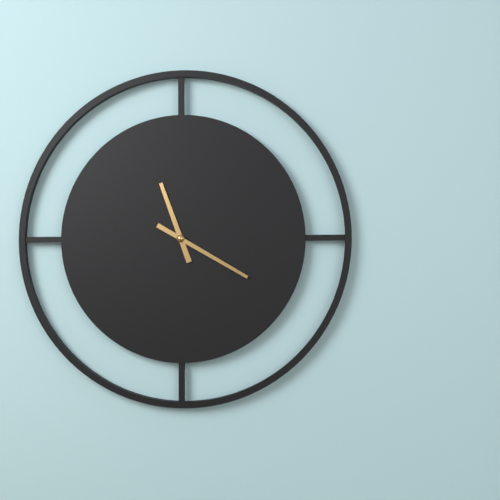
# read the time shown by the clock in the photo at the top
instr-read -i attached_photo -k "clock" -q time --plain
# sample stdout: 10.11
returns 11.20
